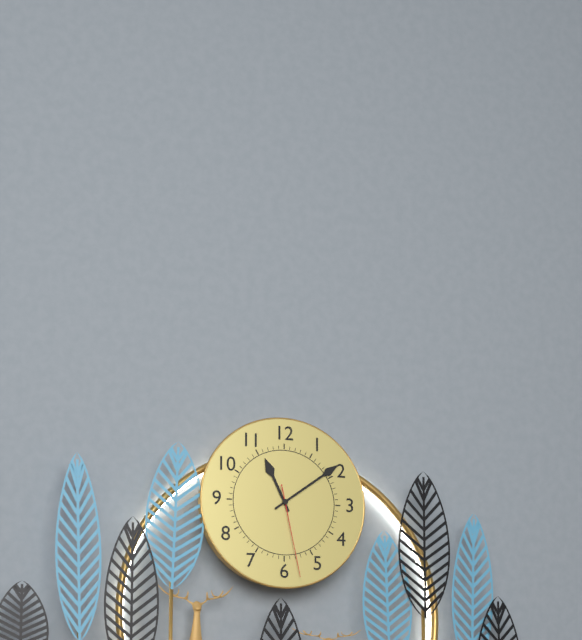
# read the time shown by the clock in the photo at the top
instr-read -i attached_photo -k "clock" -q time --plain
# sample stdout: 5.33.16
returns 11.09.28
